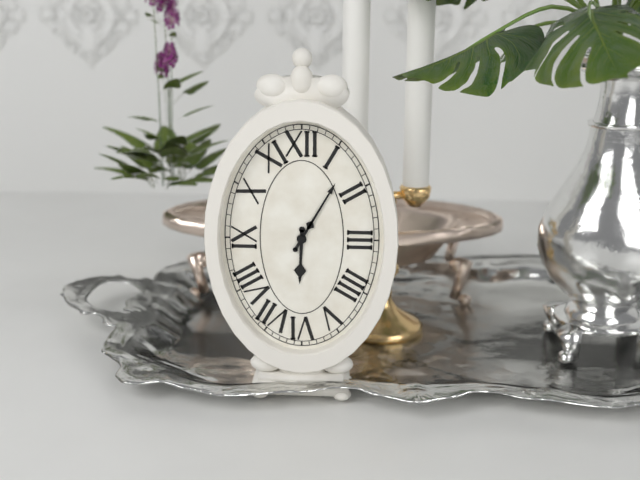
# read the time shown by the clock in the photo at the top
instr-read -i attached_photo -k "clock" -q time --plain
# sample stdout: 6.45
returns 6.05
